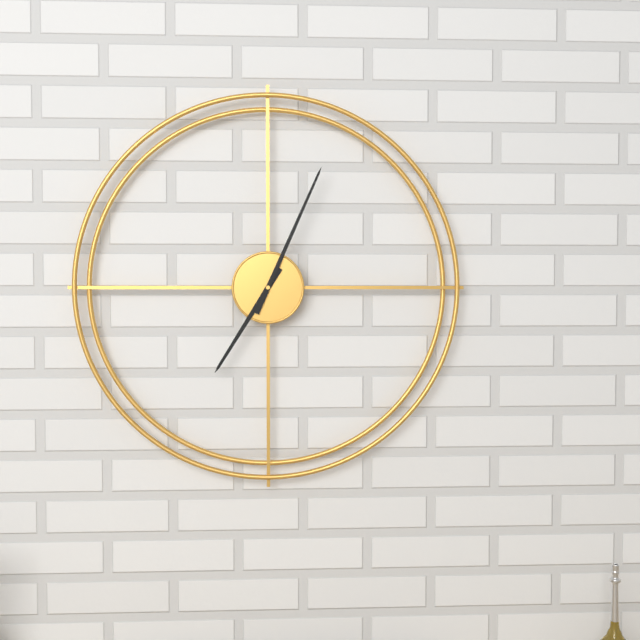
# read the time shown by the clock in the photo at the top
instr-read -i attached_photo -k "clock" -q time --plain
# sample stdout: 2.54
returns 7.04
